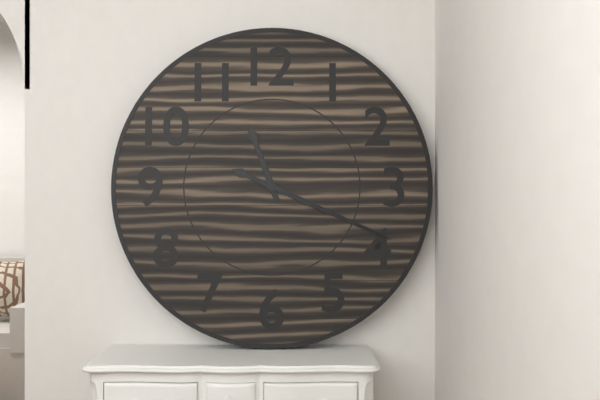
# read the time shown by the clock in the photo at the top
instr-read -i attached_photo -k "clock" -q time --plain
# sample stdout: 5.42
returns 11.19
